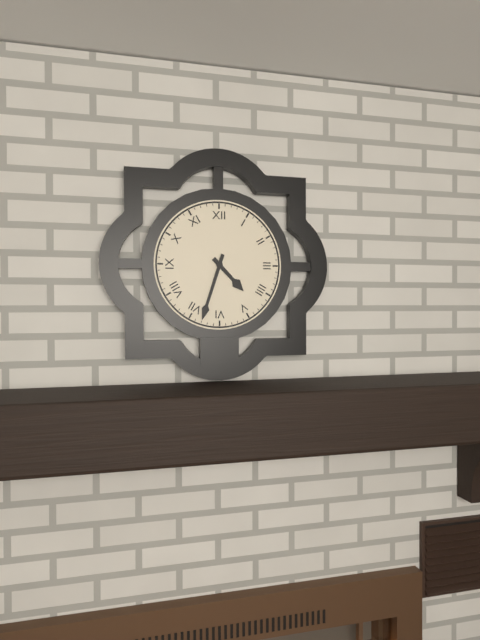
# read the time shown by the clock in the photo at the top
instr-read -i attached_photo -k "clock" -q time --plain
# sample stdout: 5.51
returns 4.33
